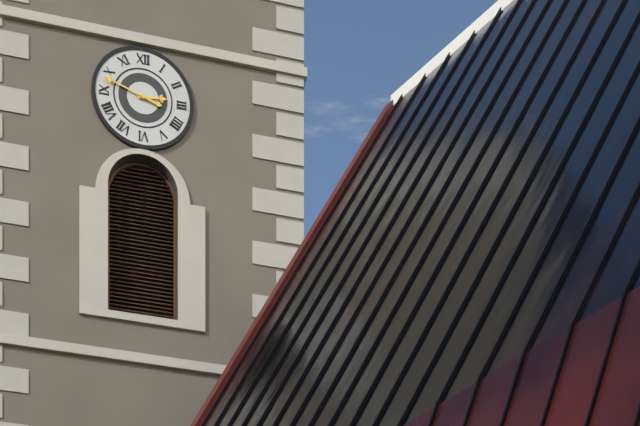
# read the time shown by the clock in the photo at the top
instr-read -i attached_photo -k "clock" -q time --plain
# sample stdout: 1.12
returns 2.48
